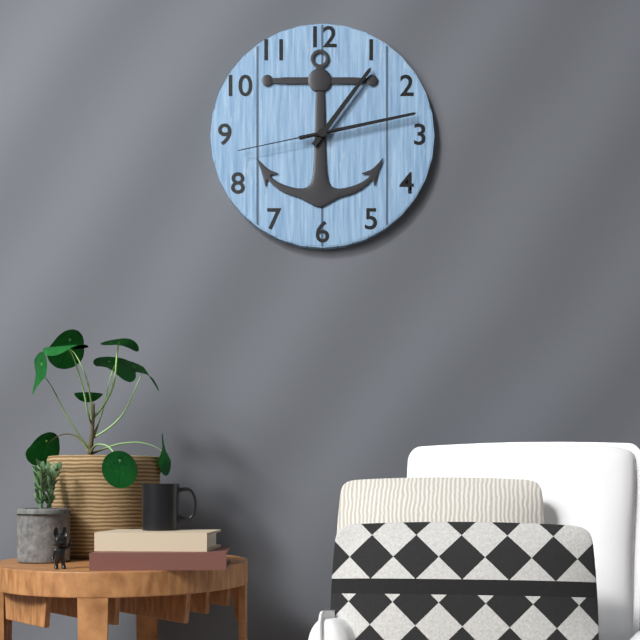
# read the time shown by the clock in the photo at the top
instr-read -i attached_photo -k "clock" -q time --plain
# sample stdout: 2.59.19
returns 1.13.43
